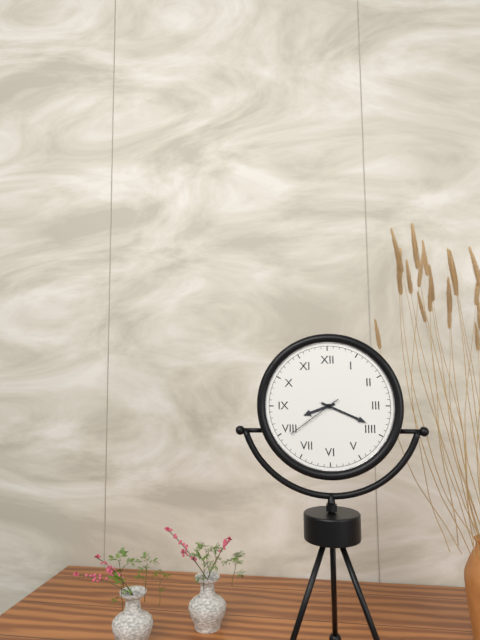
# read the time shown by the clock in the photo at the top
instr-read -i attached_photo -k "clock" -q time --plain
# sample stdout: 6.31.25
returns 8.19.39
